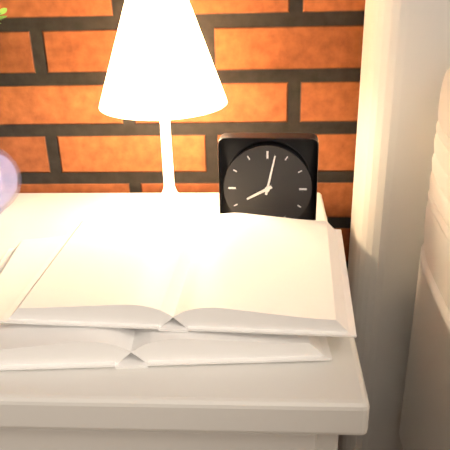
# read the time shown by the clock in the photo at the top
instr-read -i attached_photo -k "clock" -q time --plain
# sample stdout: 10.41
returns 8.02
